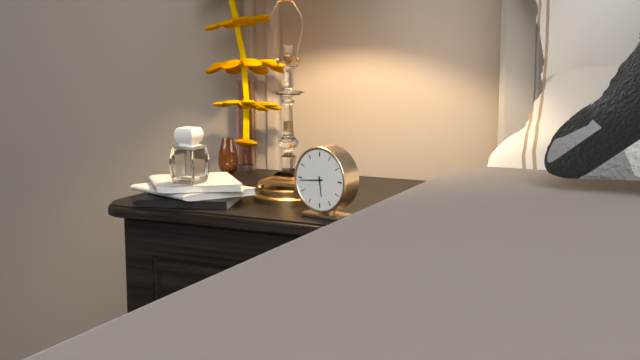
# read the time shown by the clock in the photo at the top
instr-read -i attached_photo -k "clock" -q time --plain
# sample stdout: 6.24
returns 5.44
